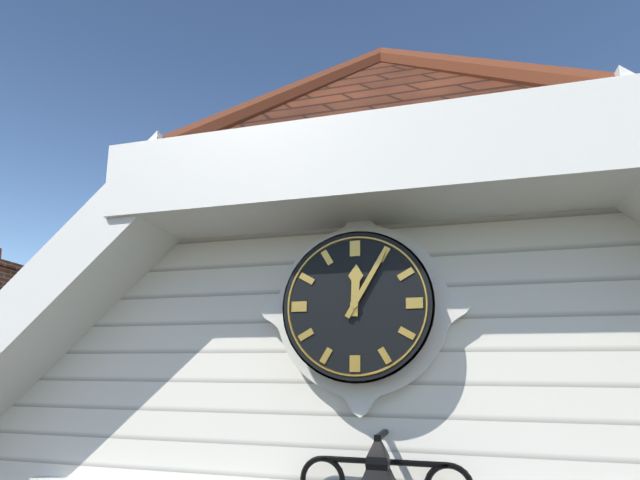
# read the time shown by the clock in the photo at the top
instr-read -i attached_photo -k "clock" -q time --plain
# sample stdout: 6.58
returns 12.05
